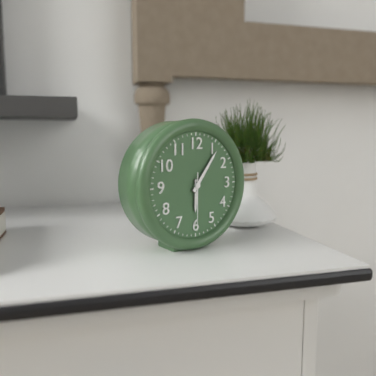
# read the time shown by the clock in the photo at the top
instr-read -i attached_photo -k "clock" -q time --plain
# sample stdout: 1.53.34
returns 6.06.30
